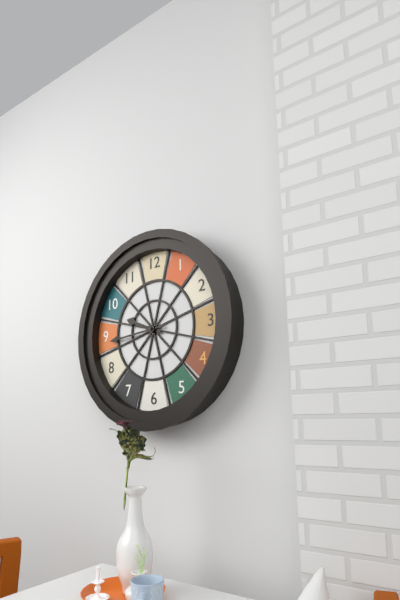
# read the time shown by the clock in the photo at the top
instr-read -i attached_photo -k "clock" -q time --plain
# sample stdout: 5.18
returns 9.44
